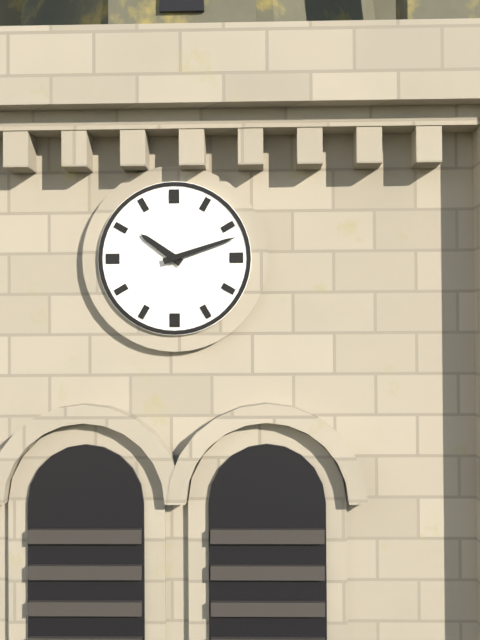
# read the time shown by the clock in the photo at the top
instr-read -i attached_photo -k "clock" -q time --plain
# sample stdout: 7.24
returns 10.12
